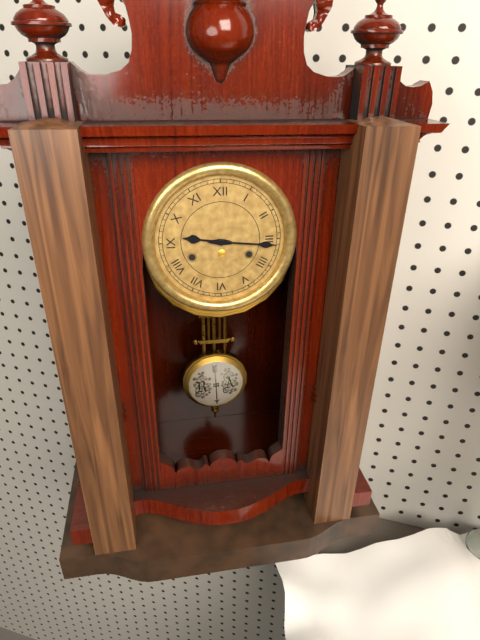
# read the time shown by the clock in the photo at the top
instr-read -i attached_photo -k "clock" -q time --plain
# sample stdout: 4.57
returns 9.16
